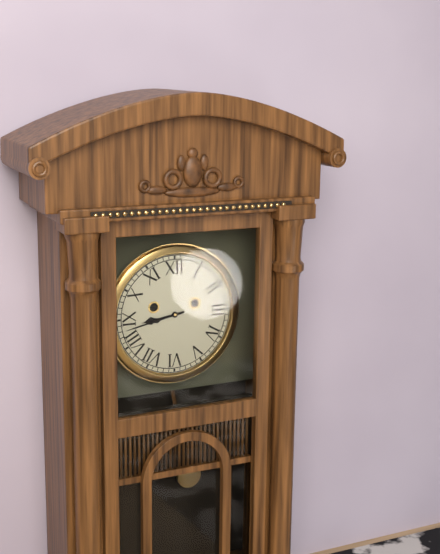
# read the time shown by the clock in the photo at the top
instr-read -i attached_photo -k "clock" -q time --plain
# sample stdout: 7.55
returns 8.43
